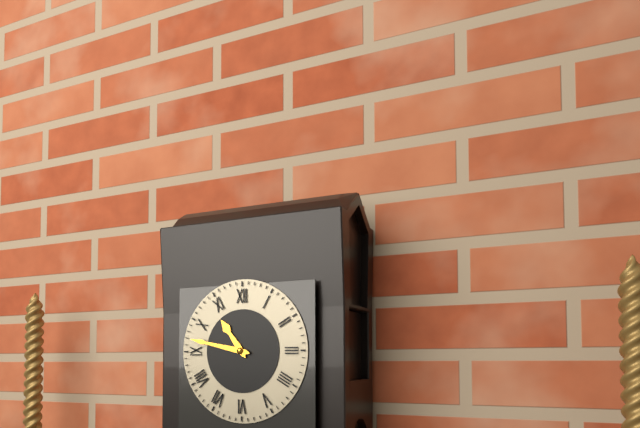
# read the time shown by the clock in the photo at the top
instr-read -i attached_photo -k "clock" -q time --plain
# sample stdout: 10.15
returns 10.47
